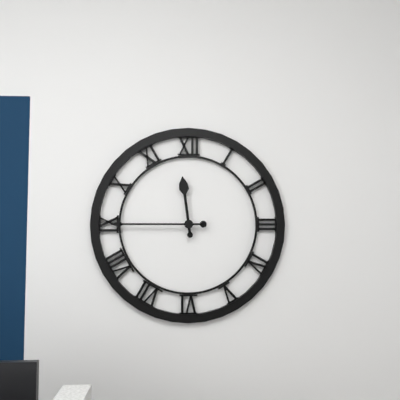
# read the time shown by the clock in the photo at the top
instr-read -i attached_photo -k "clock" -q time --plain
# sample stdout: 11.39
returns 11.45
